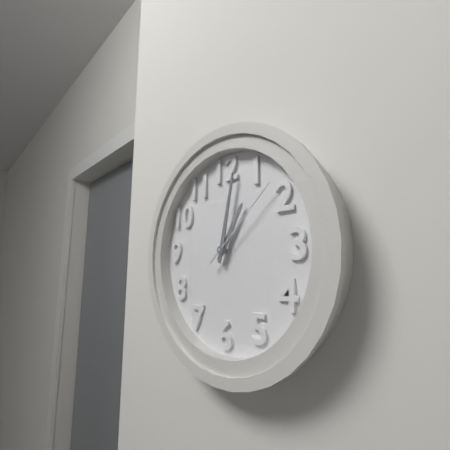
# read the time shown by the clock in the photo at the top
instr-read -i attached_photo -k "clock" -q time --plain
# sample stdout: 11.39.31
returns 1.02.08
